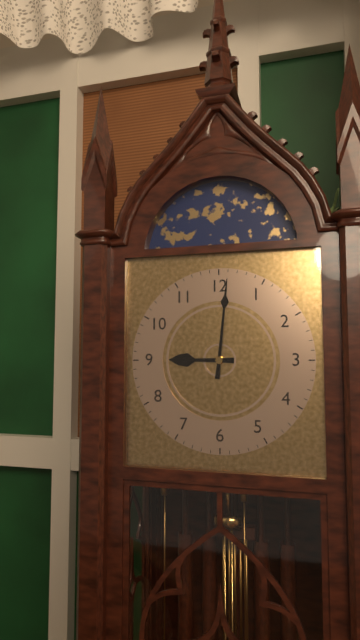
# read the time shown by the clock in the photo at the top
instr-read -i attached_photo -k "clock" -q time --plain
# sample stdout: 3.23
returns 9.01
